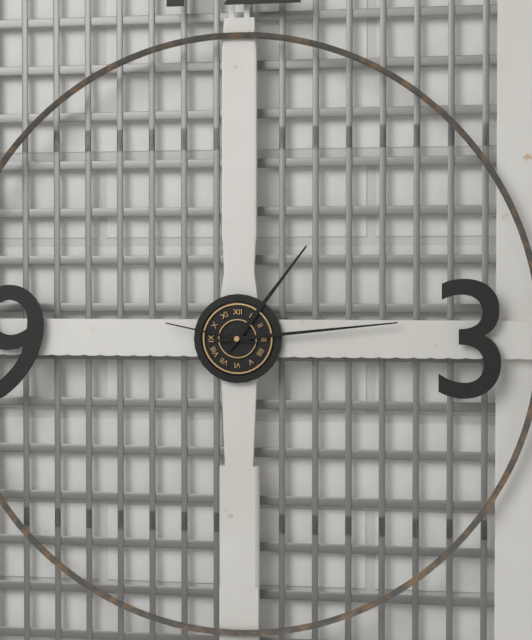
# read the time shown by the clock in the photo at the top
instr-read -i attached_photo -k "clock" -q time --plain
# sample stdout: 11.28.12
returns 1.14.47
